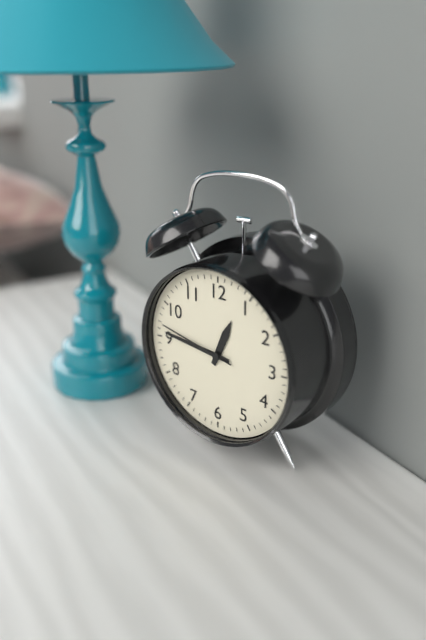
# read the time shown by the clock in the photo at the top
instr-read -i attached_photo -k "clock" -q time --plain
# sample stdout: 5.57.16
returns 12.46.47
